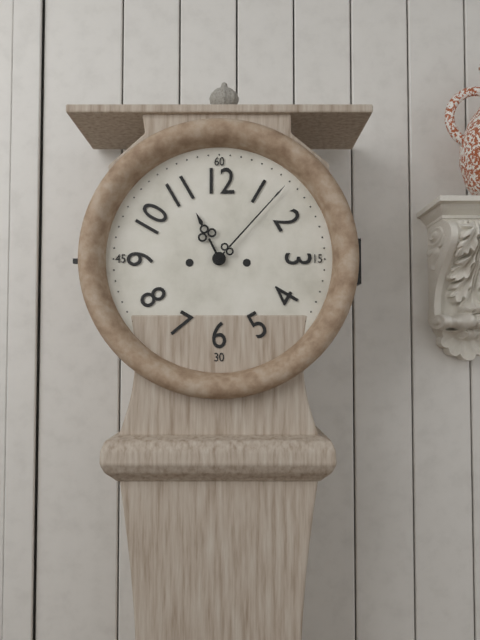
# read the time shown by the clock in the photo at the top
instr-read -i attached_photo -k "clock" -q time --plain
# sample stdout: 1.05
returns 11.07
